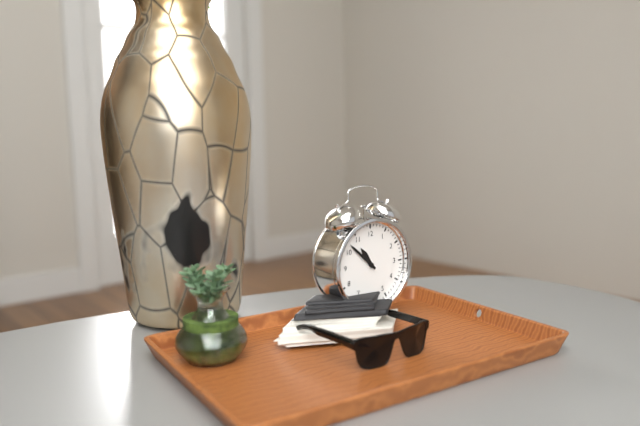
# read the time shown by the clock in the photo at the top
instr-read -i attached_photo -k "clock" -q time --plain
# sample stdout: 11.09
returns 10.52
